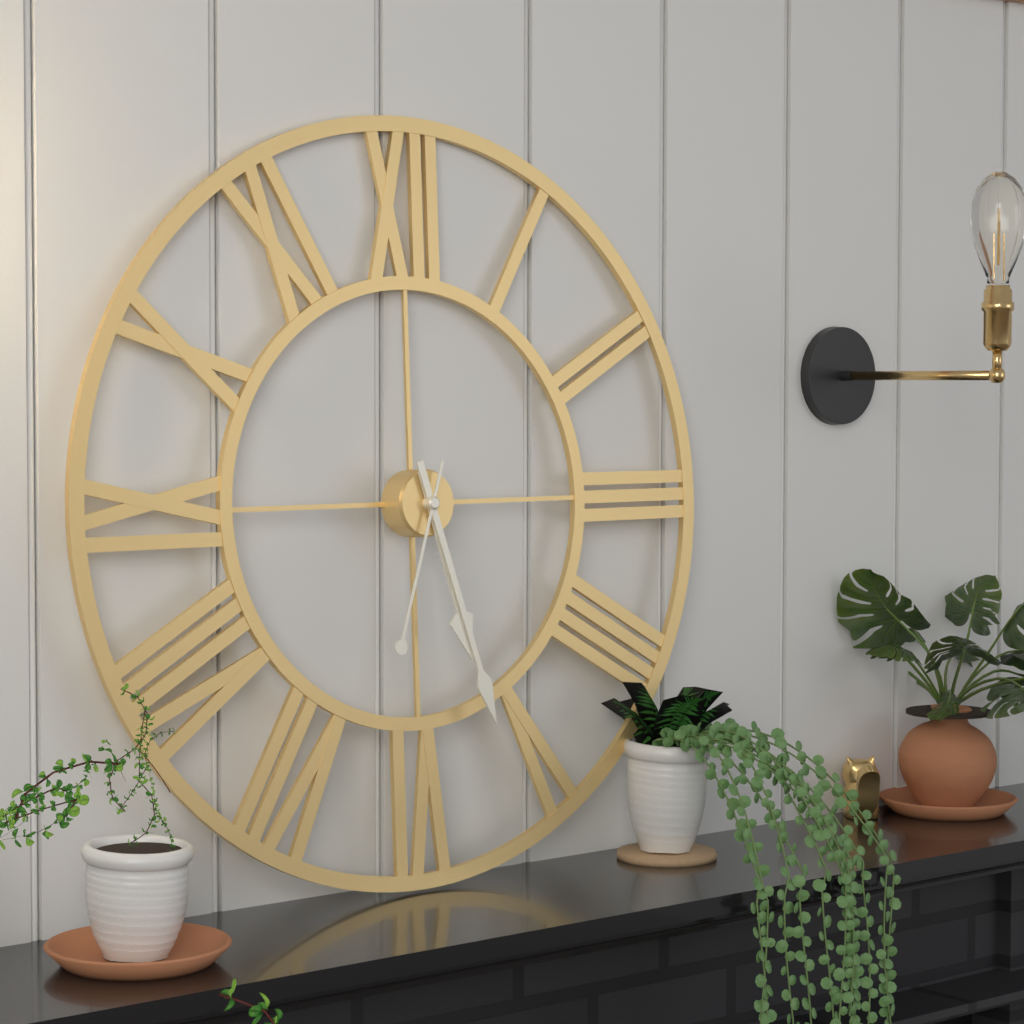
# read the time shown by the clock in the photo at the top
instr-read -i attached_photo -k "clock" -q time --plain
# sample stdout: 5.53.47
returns 5.27.33
